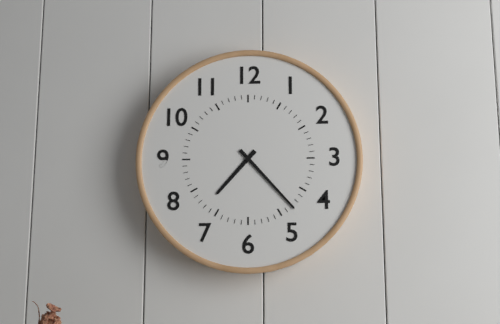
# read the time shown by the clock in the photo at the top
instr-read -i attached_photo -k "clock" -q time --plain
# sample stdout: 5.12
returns 7.23
